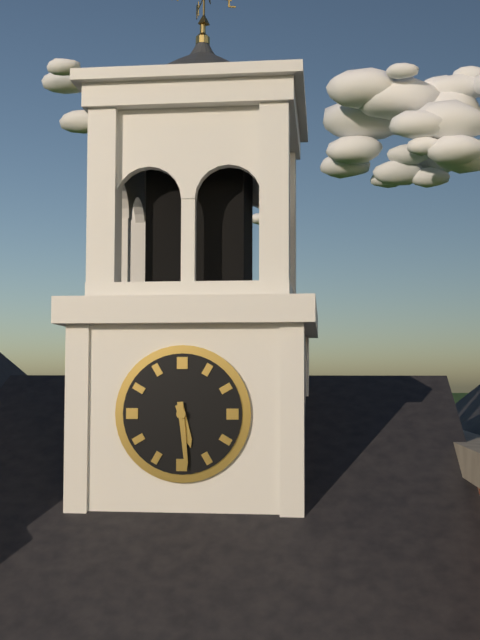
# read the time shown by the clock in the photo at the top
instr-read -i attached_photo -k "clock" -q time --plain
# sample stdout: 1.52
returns 5.29
